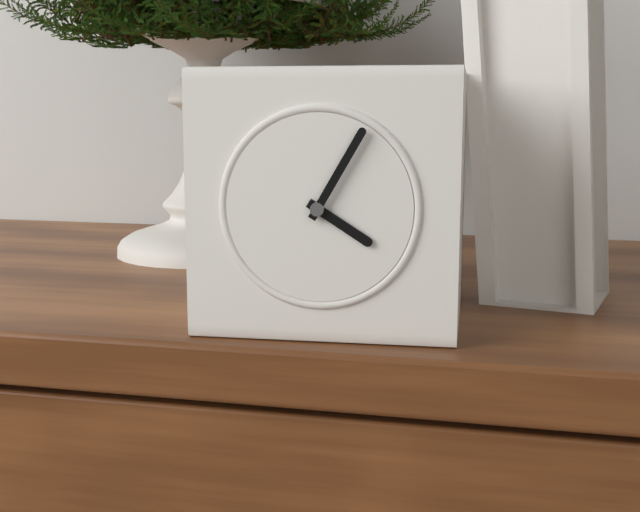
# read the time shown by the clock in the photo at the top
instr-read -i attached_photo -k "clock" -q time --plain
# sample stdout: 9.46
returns 4.05
